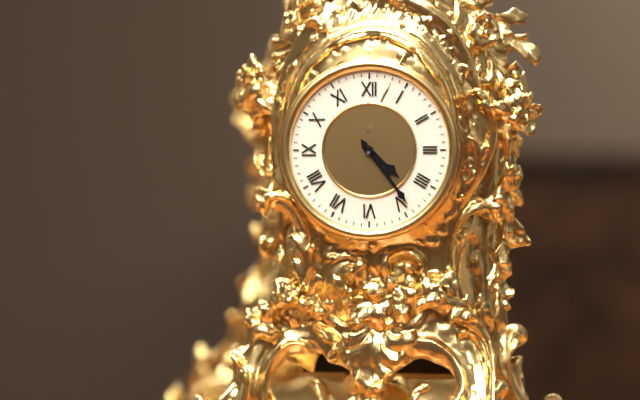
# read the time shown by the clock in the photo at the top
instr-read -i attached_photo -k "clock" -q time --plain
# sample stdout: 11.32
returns 4.24
